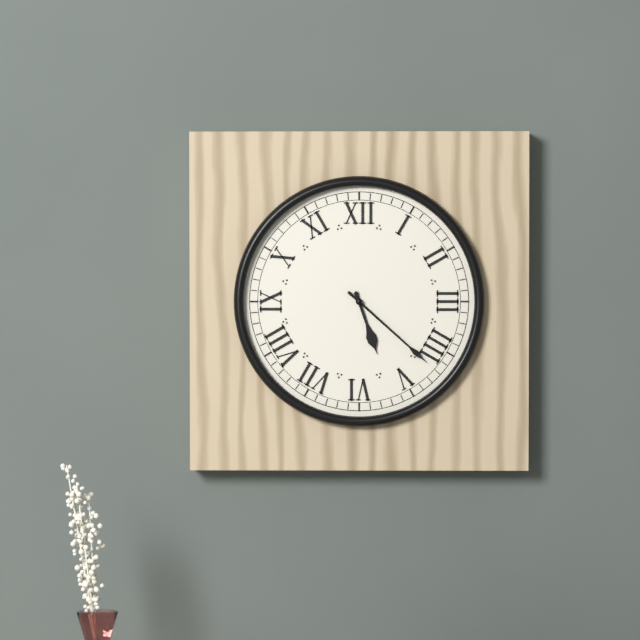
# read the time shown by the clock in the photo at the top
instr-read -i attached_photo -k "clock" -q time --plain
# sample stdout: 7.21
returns 5.22
